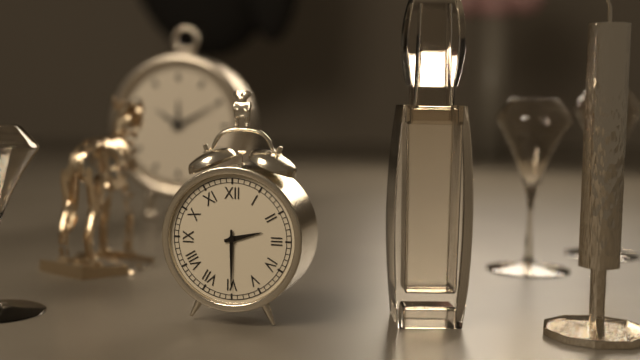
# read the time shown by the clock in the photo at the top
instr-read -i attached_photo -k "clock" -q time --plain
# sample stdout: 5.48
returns 2.30
